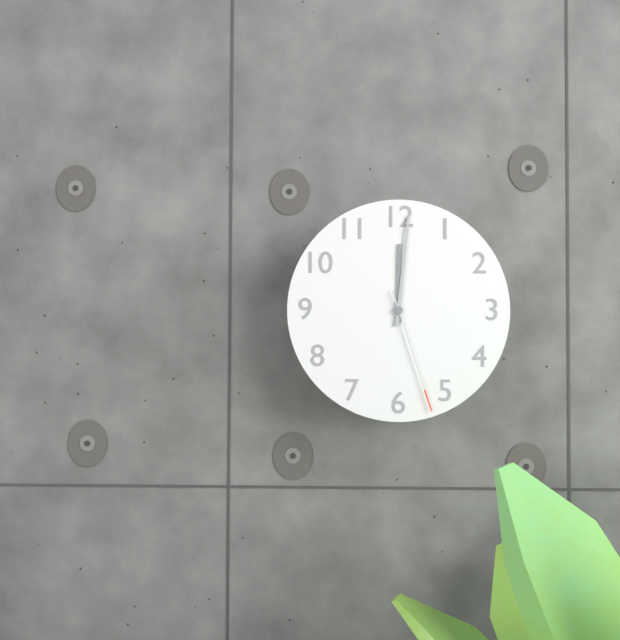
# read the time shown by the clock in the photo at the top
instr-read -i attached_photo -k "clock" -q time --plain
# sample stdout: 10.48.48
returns 12.01.27
